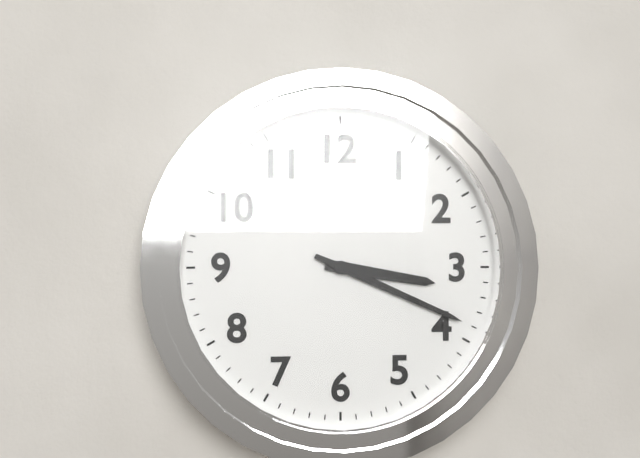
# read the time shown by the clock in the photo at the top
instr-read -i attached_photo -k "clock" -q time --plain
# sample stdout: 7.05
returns 3.19
